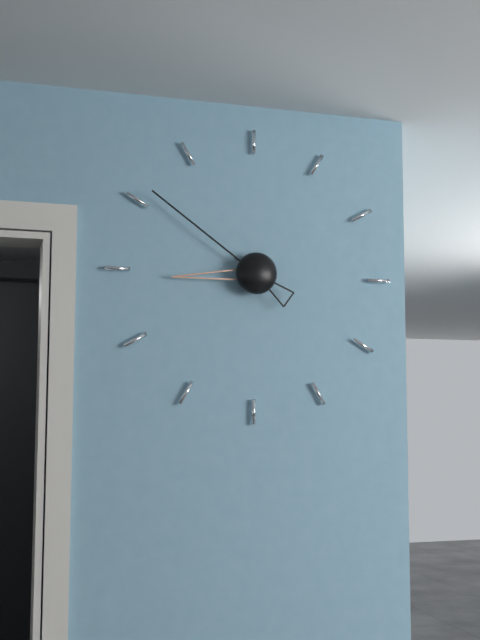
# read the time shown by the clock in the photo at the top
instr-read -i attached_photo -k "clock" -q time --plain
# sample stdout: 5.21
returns 8.51
